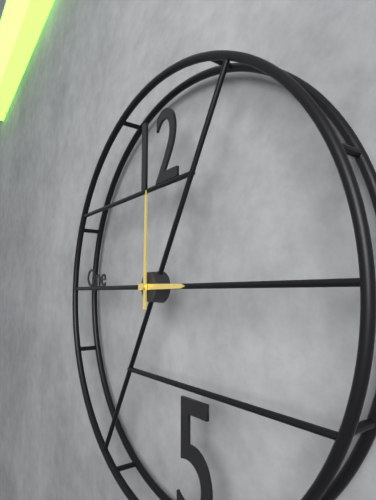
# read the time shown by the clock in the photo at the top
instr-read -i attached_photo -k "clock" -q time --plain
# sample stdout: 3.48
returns 3.00
